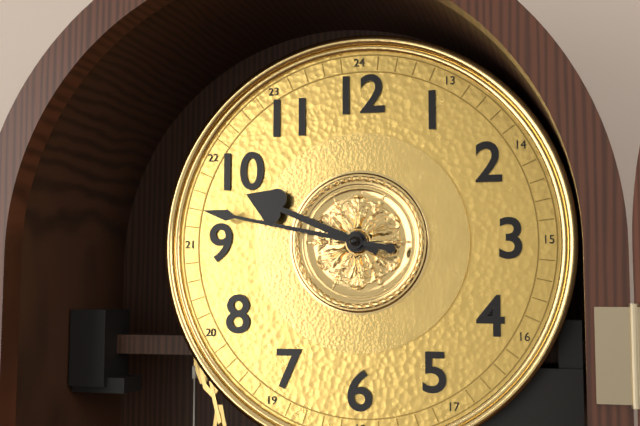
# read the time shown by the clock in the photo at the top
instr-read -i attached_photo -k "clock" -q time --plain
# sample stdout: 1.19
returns 9.47
